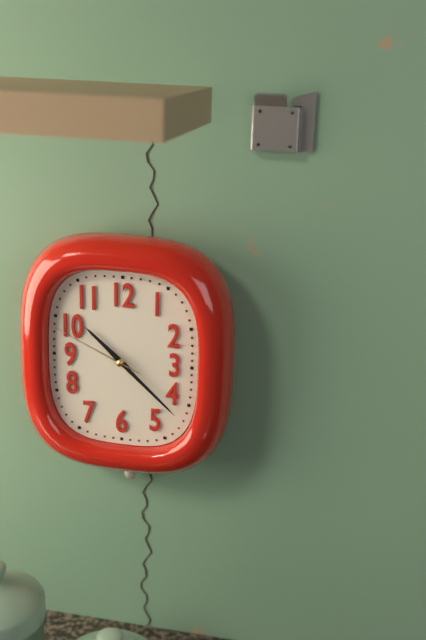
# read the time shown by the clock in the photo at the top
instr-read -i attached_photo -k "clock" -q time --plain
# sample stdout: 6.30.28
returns 10.22.49
